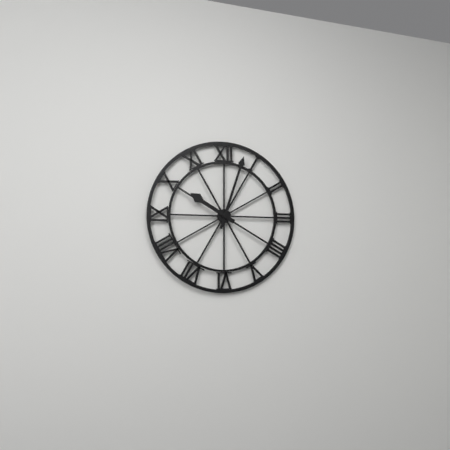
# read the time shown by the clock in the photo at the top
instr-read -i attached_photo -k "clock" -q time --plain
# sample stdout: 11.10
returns 10.03
